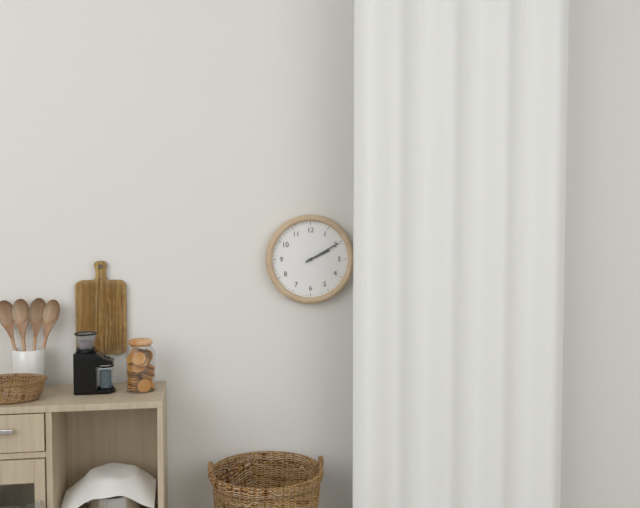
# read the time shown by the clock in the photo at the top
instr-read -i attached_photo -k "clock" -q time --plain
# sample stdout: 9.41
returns 2.10
